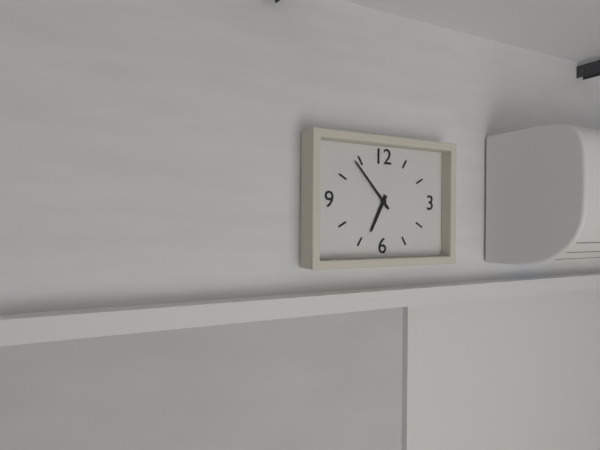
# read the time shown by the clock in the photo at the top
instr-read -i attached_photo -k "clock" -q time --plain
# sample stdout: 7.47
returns 6.53
